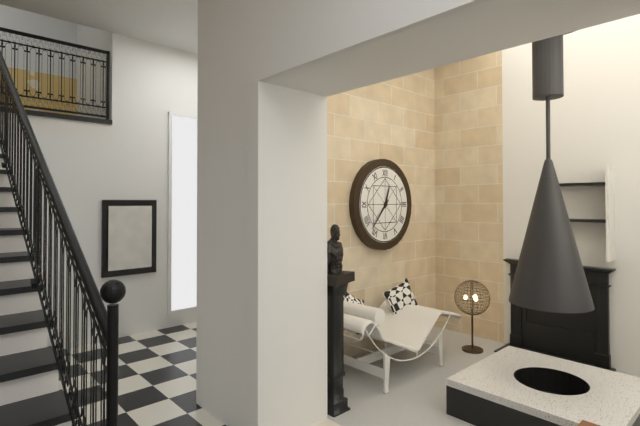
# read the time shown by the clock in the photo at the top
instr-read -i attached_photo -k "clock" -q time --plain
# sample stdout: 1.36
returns 12.37
